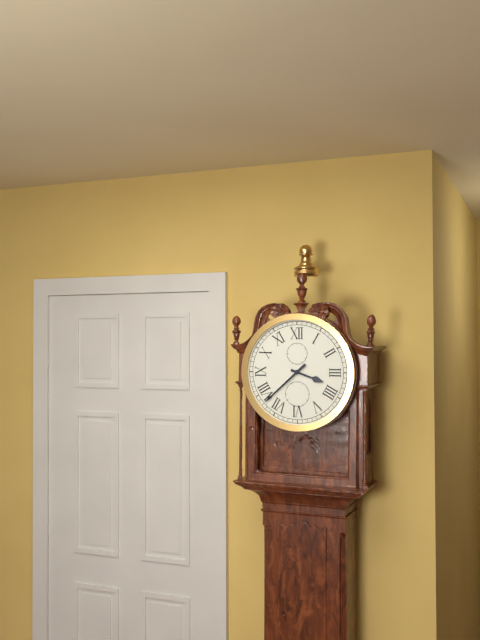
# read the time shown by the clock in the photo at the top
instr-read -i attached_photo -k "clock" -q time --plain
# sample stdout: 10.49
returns 3.38
